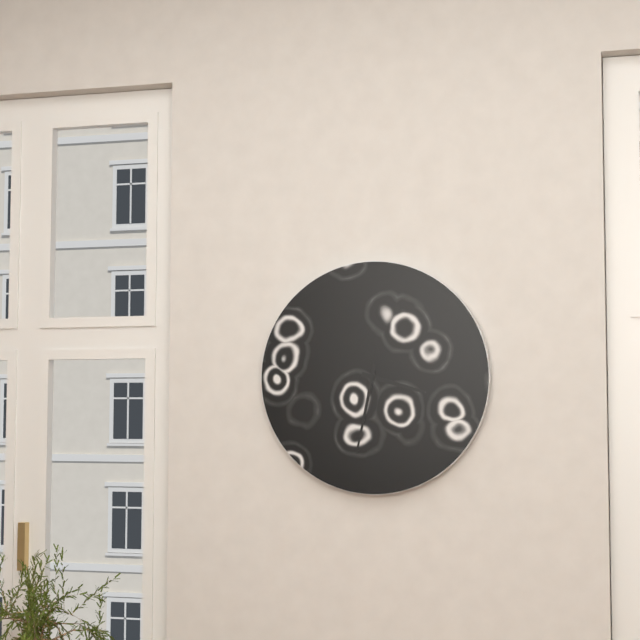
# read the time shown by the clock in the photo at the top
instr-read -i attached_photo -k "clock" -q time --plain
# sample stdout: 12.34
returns 3.32
